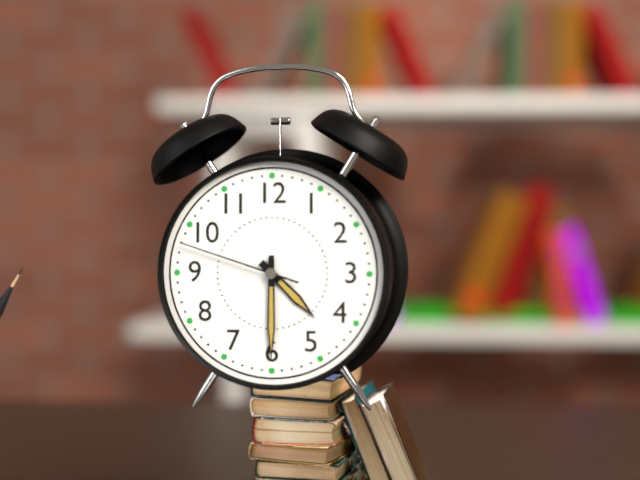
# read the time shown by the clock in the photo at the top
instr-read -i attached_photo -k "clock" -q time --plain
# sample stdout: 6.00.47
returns 4.30.48
